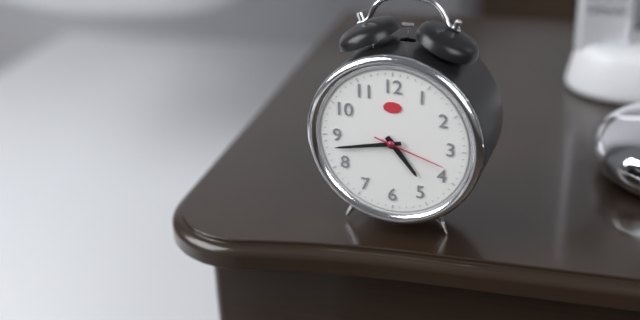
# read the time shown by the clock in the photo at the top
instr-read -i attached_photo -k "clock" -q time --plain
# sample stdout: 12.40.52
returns 4.43.18
